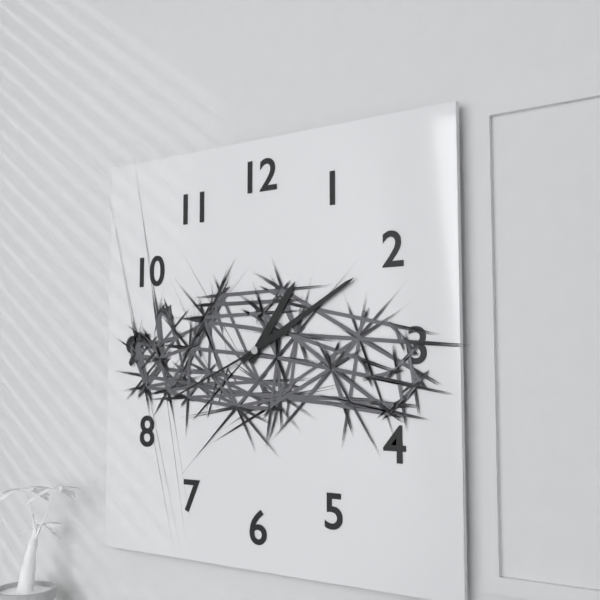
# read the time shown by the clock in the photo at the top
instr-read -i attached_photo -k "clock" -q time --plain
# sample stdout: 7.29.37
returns 1.10.41
